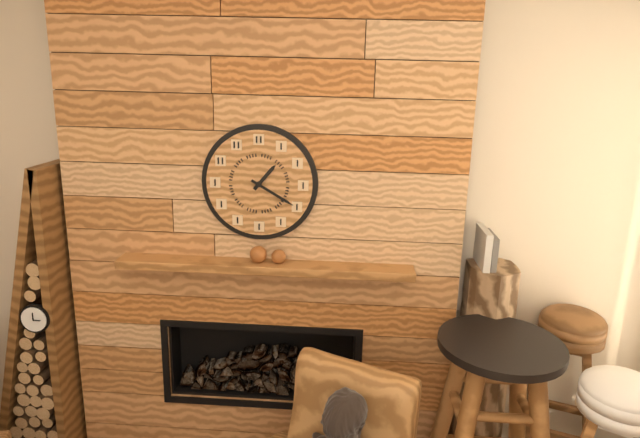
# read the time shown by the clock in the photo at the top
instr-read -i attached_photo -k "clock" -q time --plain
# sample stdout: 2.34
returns 1.20
